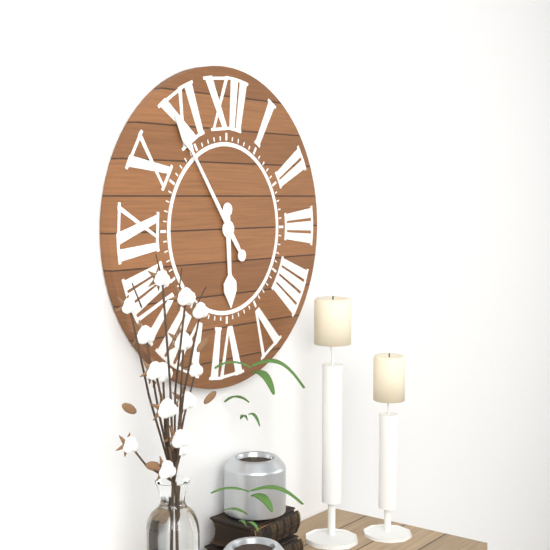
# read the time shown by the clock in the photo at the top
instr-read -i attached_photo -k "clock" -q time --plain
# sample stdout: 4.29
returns 5.54
